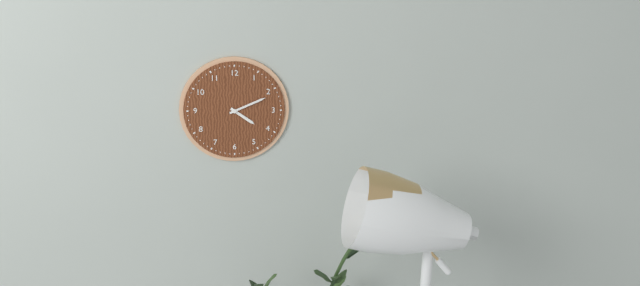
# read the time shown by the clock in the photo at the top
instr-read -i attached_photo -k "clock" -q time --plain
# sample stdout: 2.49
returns 4.11
